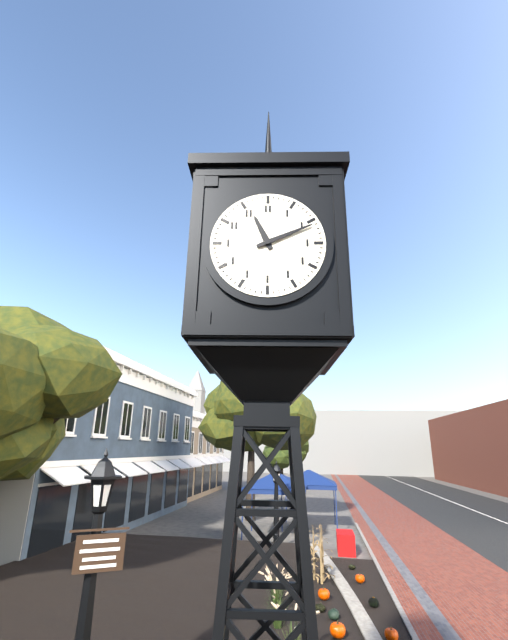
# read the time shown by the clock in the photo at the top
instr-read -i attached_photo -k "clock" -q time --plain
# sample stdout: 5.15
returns 11.11
